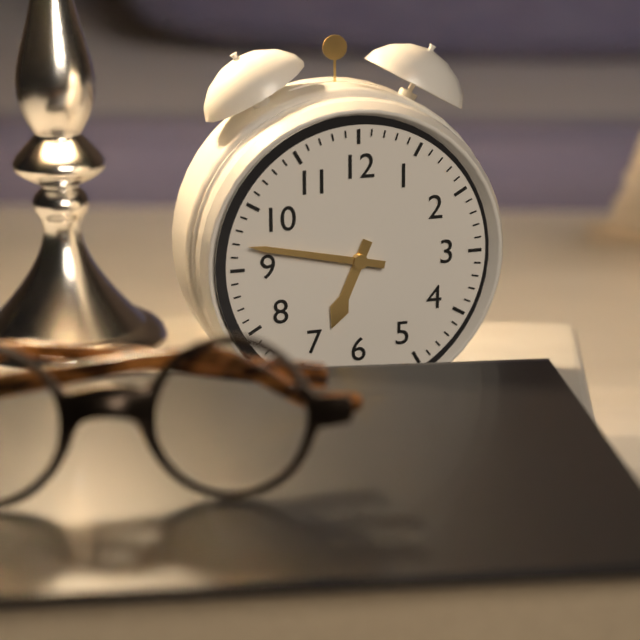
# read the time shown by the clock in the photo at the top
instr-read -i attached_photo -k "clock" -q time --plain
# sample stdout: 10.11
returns 6.47
